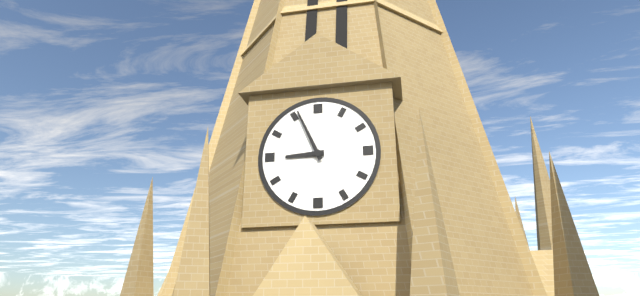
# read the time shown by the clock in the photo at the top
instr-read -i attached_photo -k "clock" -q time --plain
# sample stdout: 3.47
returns 8.56
